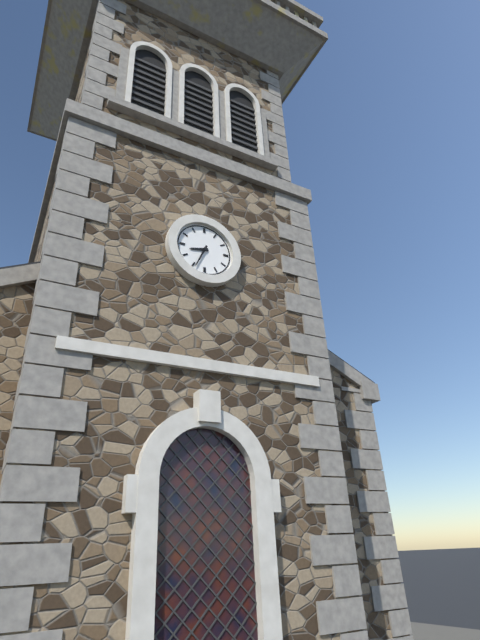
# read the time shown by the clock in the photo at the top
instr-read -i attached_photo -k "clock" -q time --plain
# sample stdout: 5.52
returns 8.34
